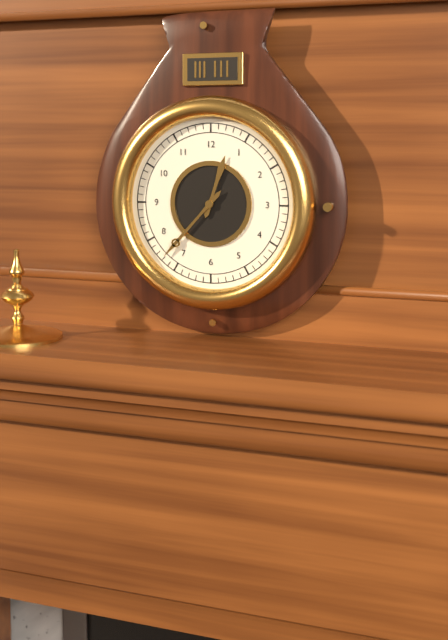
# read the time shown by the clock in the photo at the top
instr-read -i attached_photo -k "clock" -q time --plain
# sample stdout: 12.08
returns 12.37
